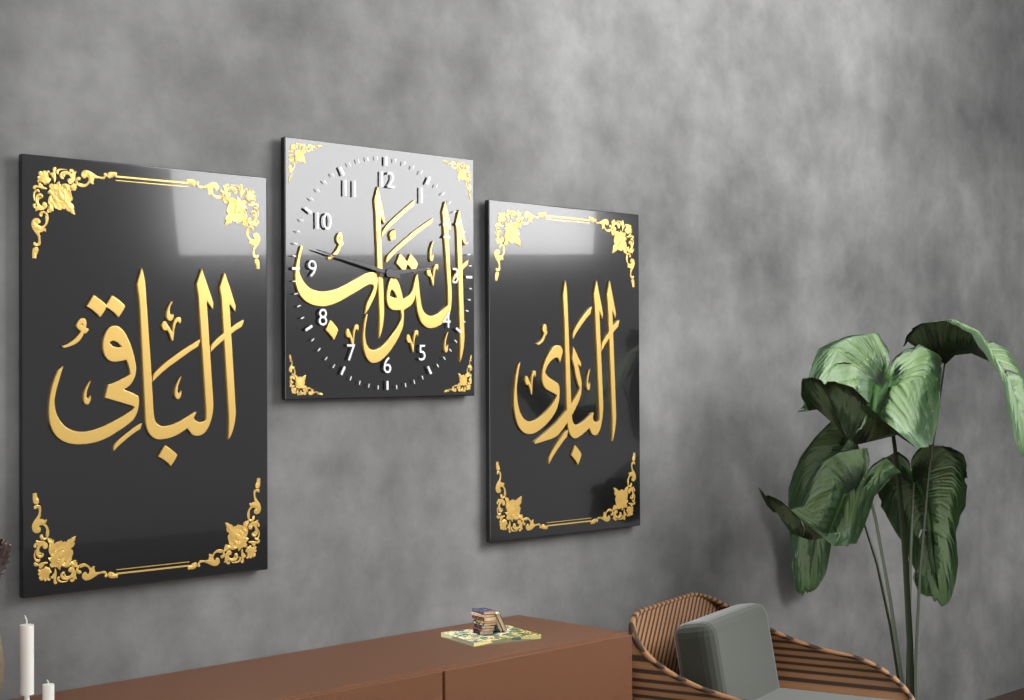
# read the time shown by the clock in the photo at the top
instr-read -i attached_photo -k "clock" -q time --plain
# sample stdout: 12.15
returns 2.47
